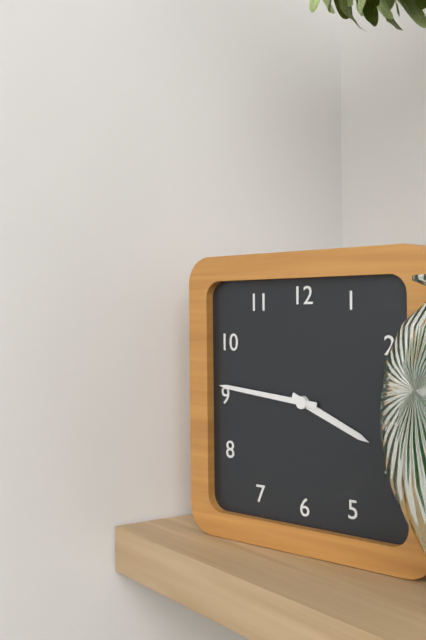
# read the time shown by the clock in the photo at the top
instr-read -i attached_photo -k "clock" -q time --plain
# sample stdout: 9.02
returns 3.46
